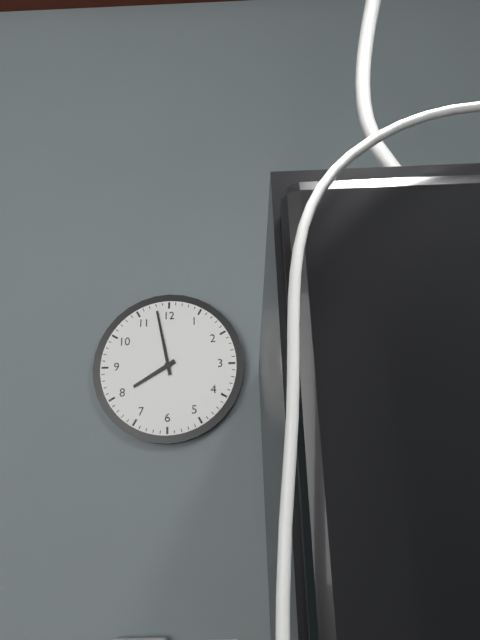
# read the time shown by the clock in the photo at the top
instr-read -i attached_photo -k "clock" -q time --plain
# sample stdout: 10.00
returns 7.58
